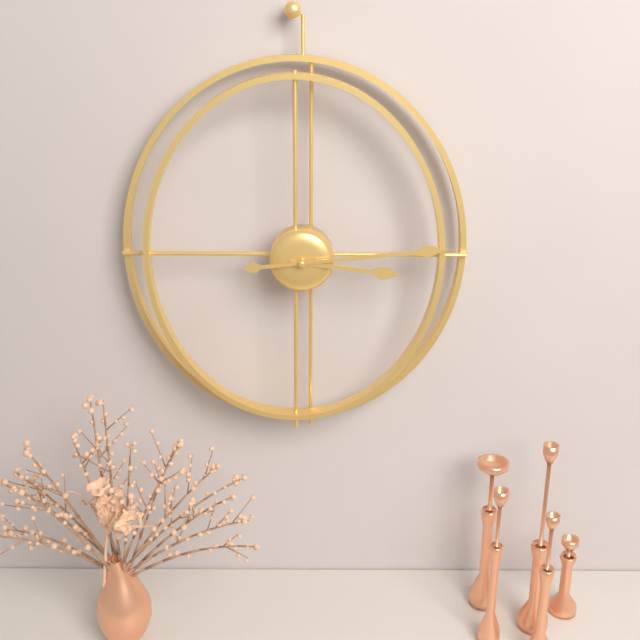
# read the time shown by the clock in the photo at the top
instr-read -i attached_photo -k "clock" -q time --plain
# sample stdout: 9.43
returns 3.14
